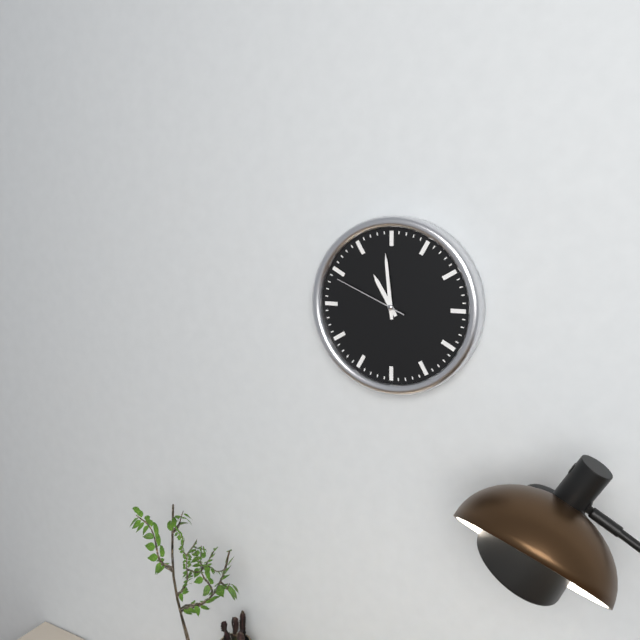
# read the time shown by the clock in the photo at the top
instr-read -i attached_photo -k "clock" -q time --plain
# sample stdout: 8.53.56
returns 10.59.49
